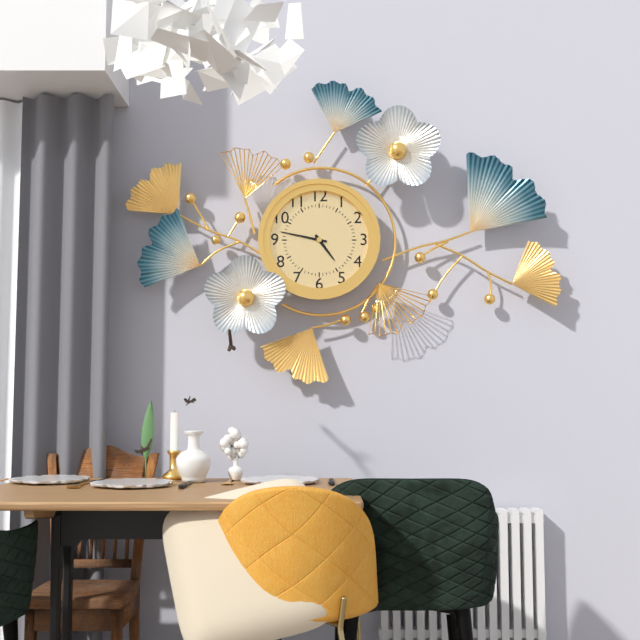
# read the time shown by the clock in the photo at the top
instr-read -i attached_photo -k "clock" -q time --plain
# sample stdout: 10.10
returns 4.47
